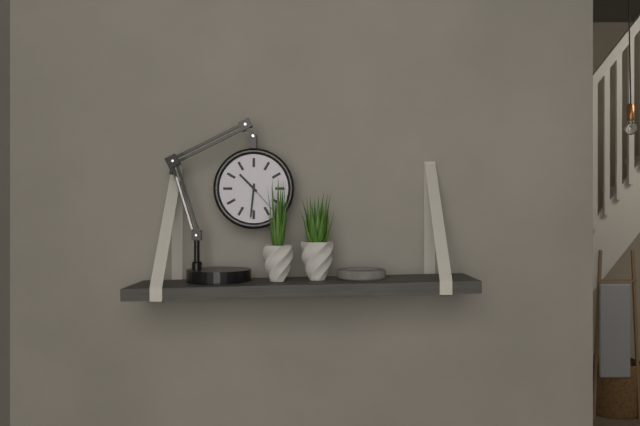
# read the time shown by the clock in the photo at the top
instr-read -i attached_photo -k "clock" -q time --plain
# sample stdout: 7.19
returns 10.31
